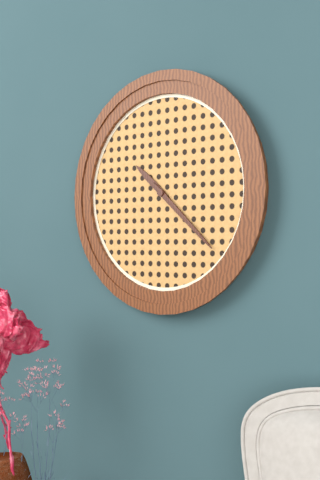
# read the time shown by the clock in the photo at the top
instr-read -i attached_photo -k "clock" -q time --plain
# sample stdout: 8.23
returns 10.22
